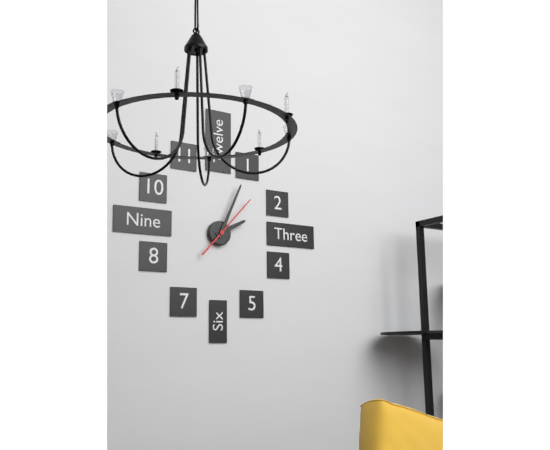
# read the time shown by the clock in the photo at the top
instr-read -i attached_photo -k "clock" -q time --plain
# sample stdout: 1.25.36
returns 2.04.07
